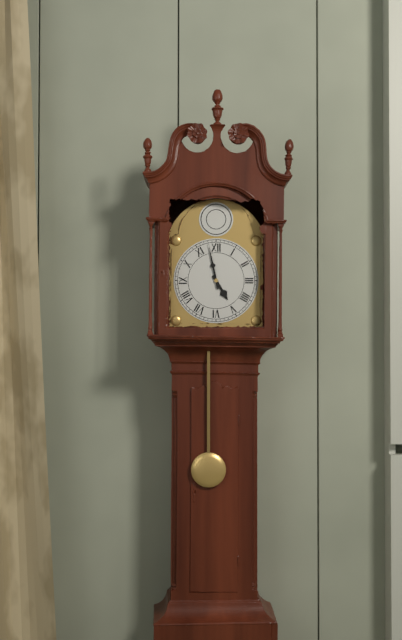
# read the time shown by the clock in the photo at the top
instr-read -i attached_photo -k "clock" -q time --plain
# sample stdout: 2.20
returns 4.58
